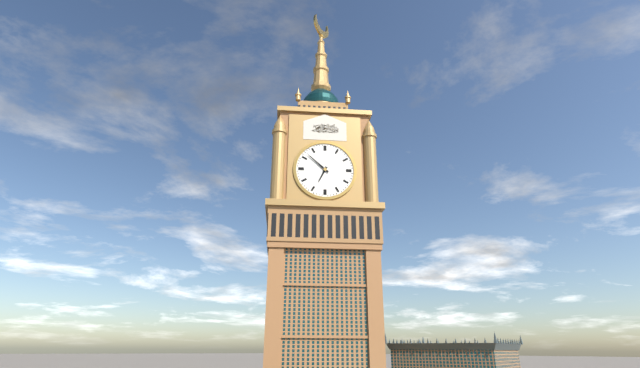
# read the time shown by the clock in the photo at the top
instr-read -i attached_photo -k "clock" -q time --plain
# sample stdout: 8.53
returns 6.52
